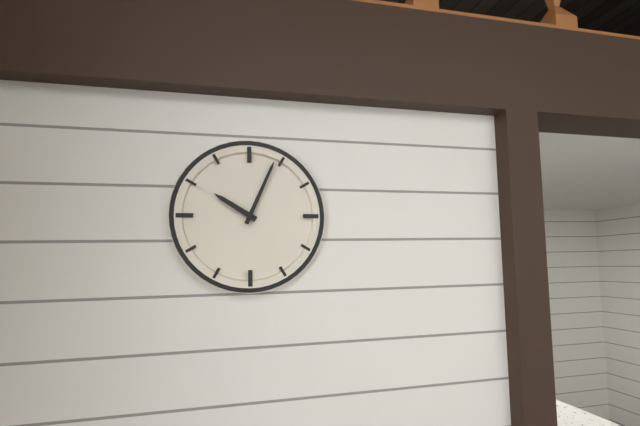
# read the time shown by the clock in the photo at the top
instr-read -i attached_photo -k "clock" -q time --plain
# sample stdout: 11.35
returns 10.04
